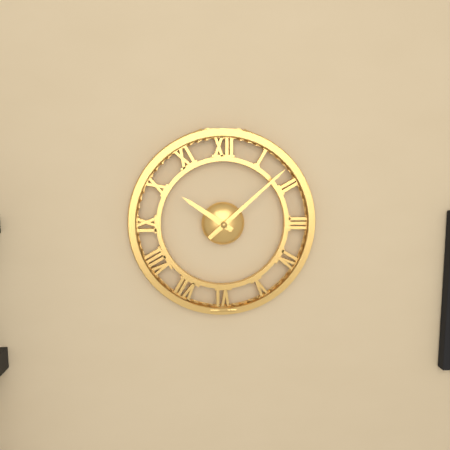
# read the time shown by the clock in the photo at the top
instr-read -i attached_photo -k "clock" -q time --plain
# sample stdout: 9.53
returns 10.08
